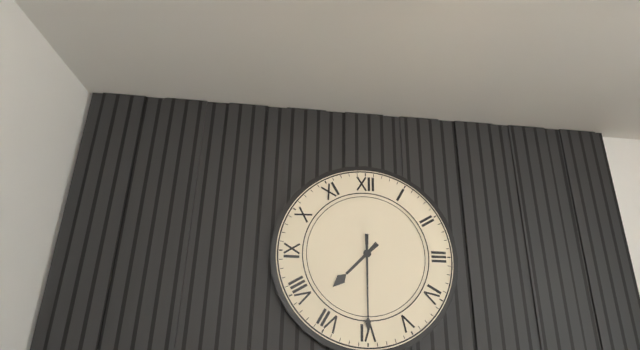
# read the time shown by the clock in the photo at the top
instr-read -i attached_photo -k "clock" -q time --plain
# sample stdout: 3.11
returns 7.30
